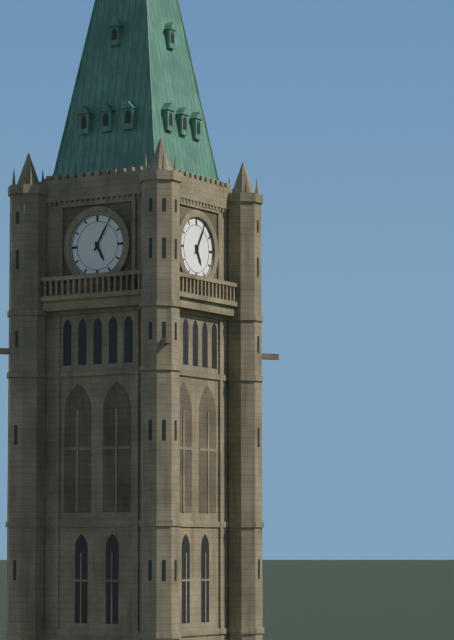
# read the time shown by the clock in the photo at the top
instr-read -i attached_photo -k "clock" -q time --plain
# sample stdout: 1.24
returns 5.05
